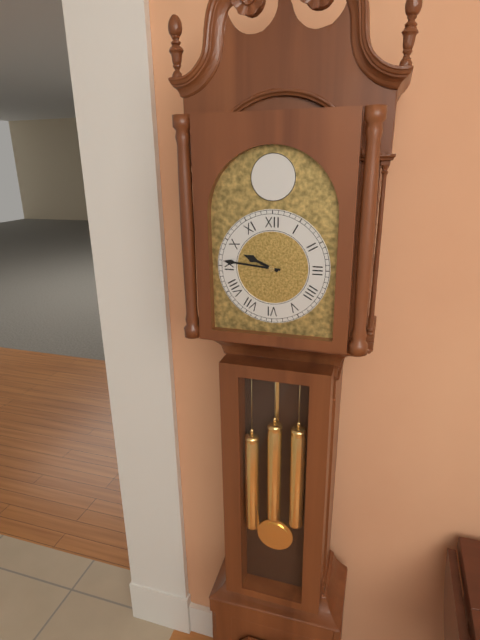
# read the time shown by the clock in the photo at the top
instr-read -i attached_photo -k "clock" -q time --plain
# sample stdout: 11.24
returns 9.46
